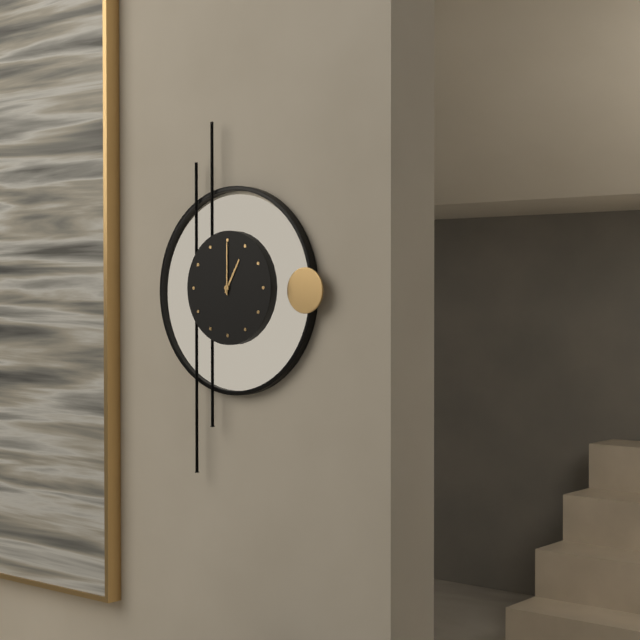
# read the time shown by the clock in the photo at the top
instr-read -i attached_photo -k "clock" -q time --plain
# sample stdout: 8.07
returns 1.00
